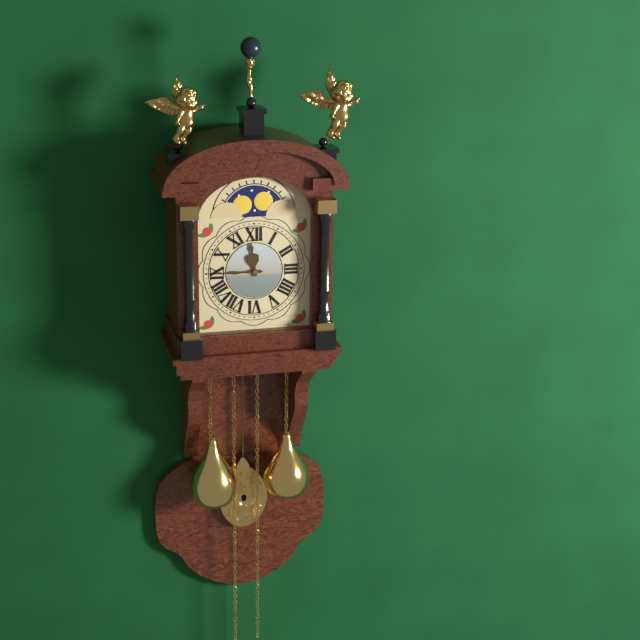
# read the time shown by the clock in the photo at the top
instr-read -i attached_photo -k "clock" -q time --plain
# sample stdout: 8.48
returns 11.45
